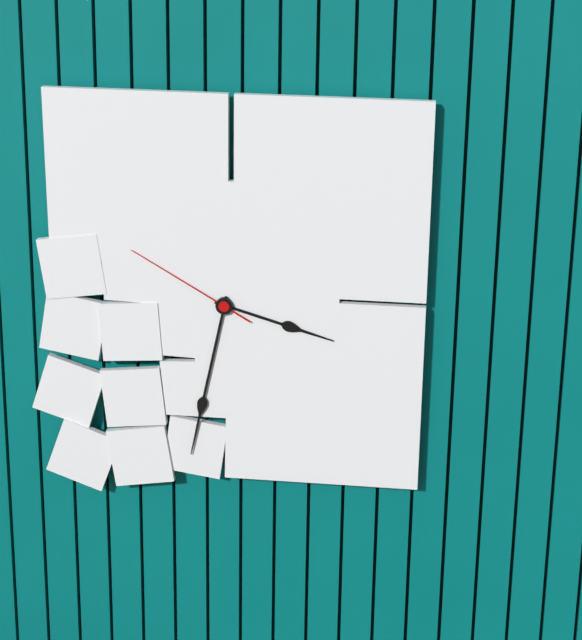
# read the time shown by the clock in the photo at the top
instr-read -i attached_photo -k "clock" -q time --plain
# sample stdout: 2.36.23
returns 3.32.50
